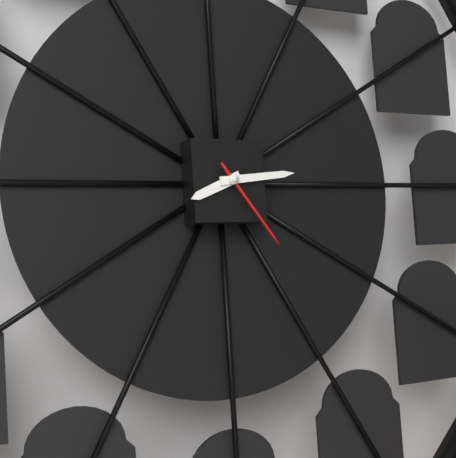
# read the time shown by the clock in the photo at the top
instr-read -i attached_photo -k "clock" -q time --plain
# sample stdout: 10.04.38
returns 8.14.24
